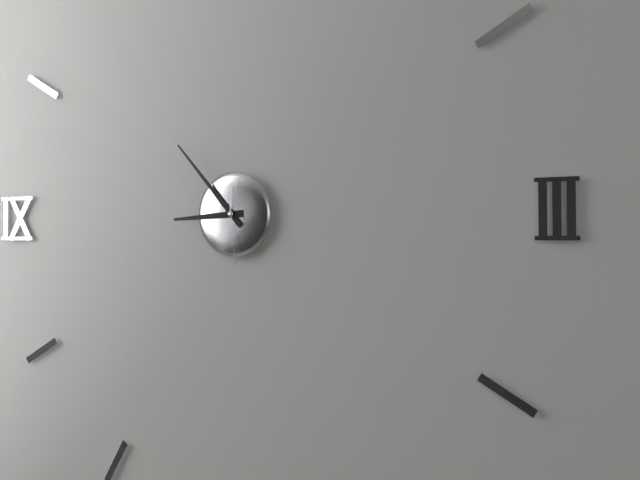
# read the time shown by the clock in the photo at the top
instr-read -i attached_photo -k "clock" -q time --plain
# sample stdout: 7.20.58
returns 8.53.29
